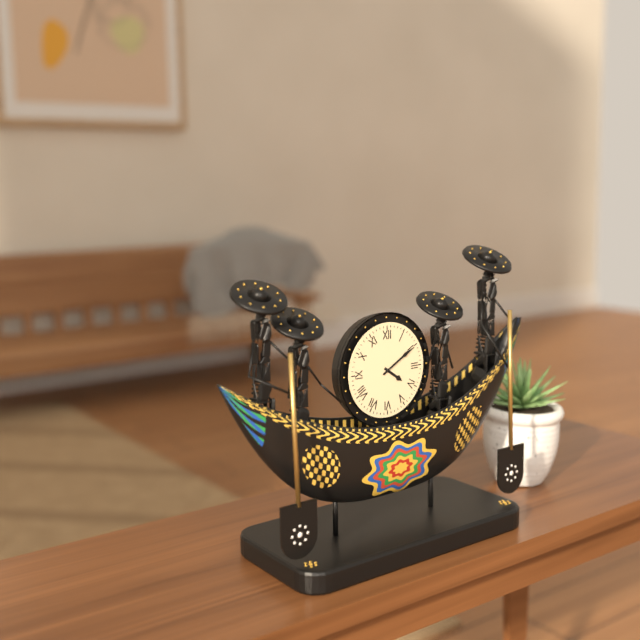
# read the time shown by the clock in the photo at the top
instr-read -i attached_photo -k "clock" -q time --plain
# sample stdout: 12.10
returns 4.10
